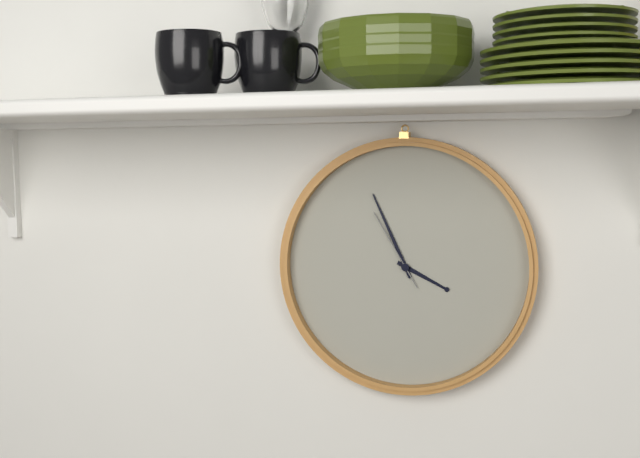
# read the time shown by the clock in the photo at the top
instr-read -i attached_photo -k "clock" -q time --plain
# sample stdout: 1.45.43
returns 3.56.55
